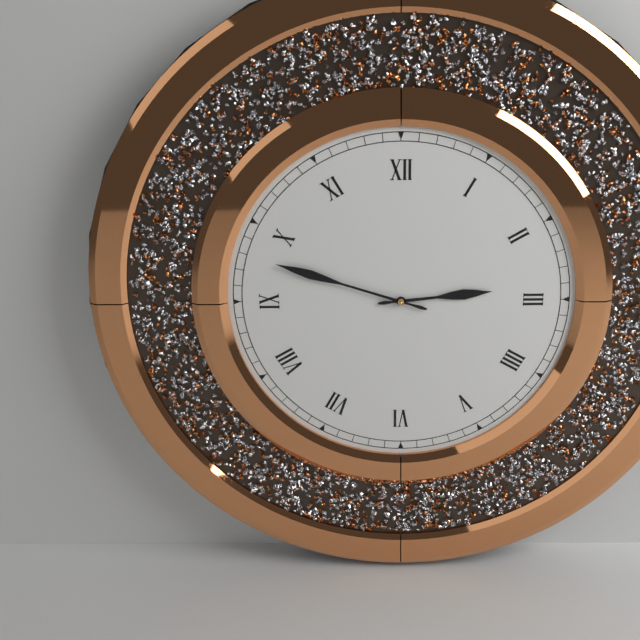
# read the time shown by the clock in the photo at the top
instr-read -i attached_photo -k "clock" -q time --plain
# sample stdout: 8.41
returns 2.48
